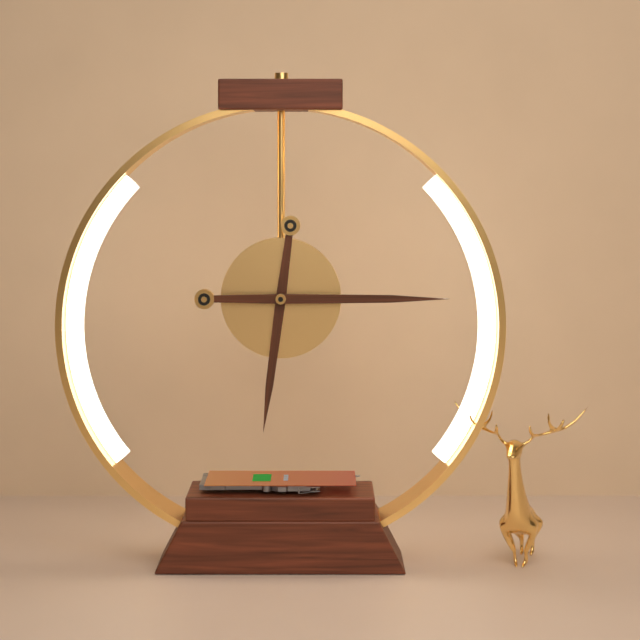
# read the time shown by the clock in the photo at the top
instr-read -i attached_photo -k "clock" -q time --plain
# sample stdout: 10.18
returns 6.15
